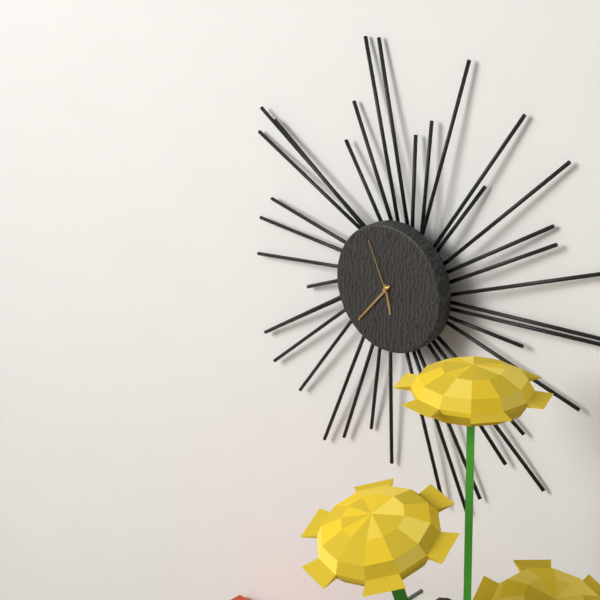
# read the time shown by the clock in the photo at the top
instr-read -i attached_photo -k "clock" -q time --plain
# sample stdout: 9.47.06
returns 5.37.56
